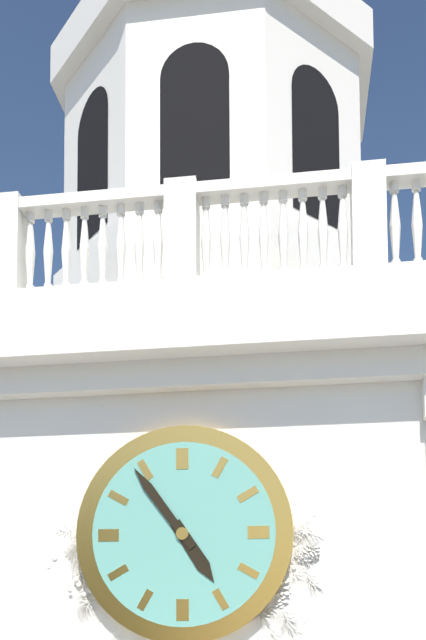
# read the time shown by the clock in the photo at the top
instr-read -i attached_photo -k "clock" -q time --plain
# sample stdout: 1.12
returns 4.54
